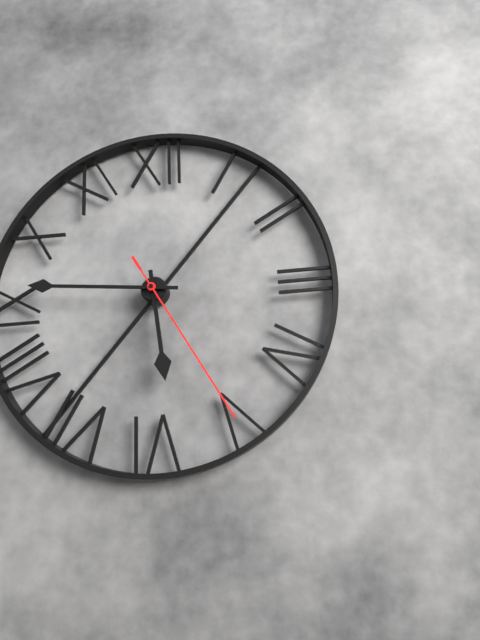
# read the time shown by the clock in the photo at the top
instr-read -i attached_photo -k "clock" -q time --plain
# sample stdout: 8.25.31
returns 5.46.25
